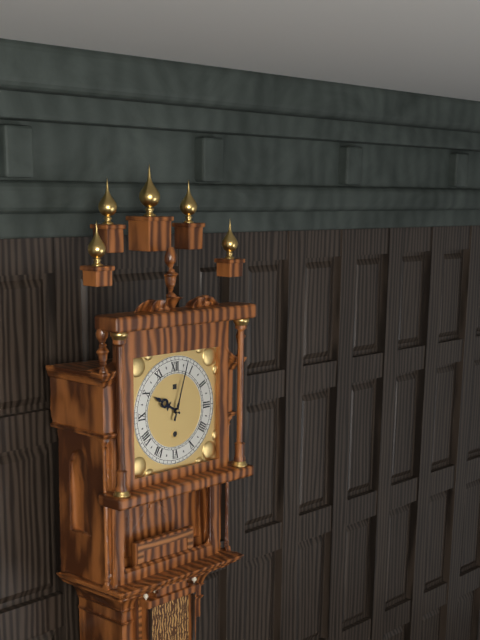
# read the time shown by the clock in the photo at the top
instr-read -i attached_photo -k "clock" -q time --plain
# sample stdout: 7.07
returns 10.03
